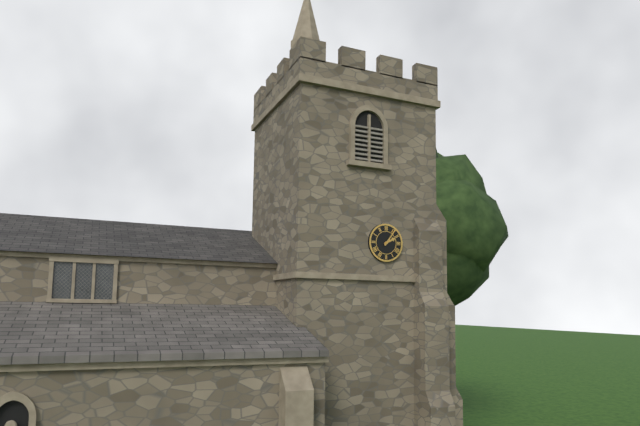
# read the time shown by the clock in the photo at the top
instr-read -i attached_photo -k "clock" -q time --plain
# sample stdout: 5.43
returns 2.06
